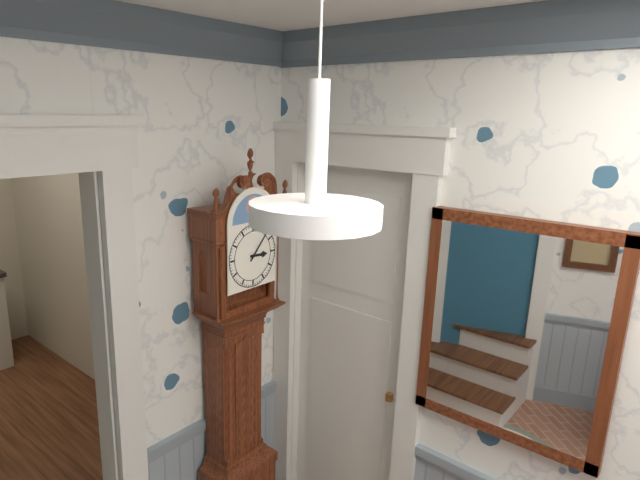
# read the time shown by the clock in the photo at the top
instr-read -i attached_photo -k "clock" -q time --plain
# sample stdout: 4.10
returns 3.07
